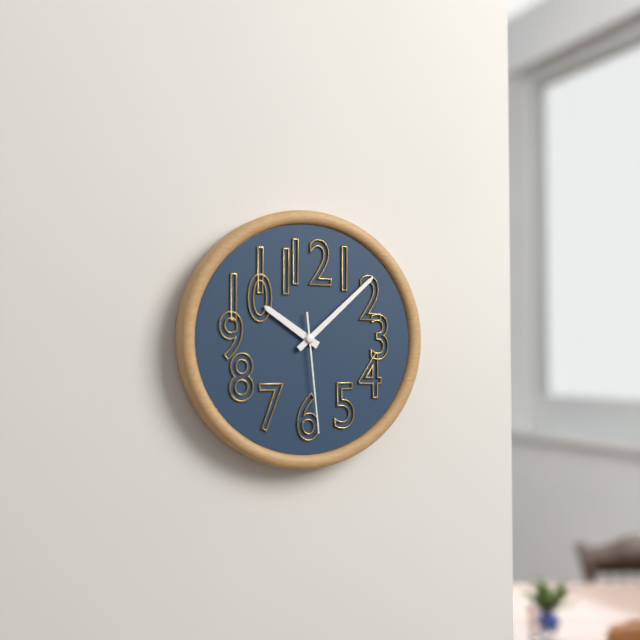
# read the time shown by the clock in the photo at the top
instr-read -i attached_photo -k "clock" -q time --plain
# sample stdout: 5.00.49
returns 10.08.29
